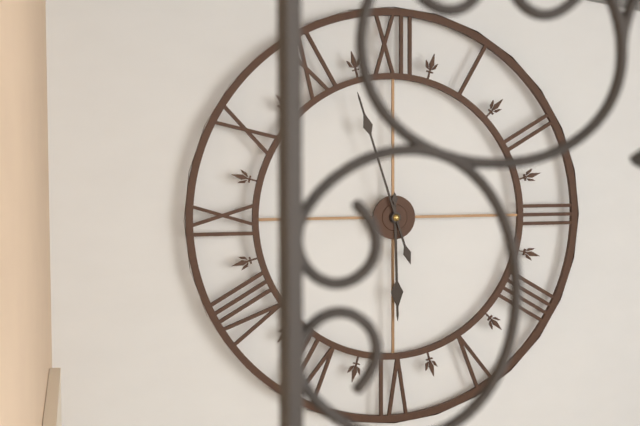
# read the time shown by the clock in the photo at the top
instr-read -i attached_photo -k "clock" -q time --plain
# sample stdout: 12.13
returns 5.57
